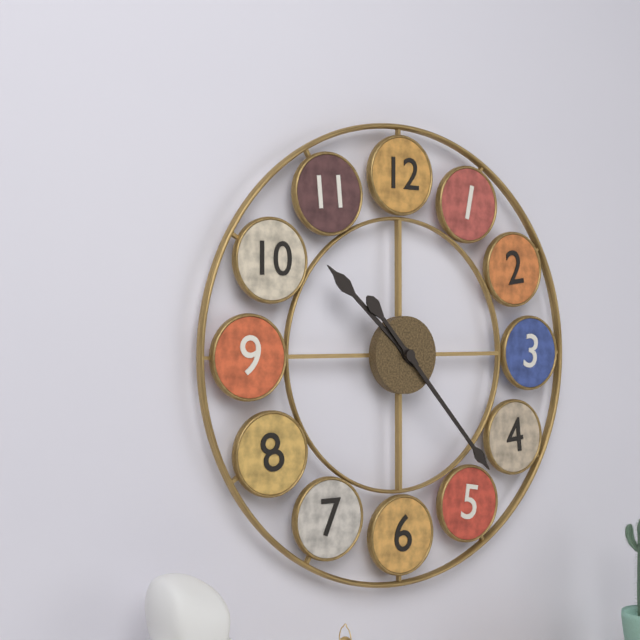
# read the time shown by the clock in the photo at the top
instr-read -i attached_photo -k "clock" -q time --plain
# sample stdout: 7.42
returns 10.23
